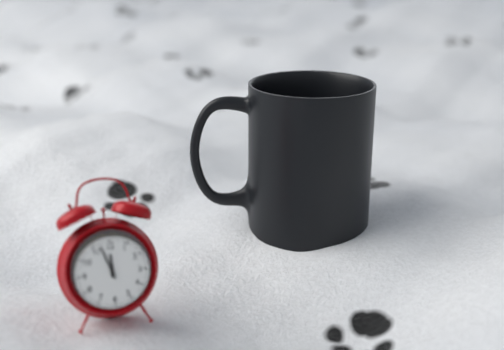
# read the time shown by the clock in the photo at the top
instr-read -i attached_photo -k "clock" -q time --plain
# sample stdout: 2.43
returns 11.57
